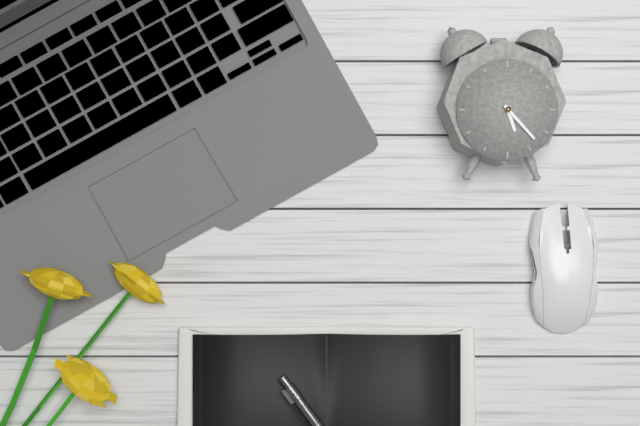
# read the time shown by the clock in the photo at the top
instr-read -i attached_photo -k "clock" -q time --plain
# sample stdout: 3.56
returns 5.23
